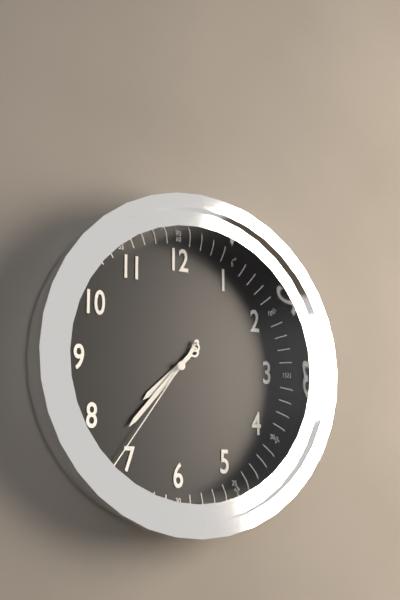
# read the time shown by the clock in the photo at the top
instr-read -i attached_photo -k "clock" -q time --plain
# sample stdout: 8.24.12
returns 7.37.36
